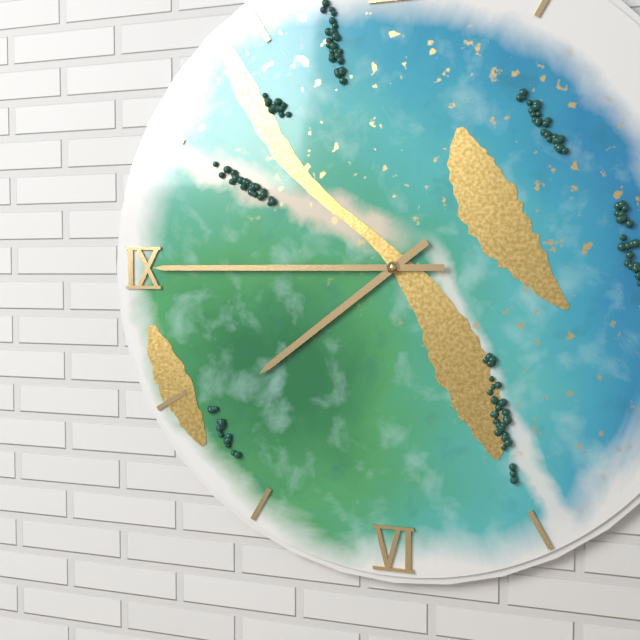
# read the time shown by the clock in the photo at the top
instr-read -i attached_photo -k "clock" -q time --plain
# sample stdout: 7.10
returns 7.45
